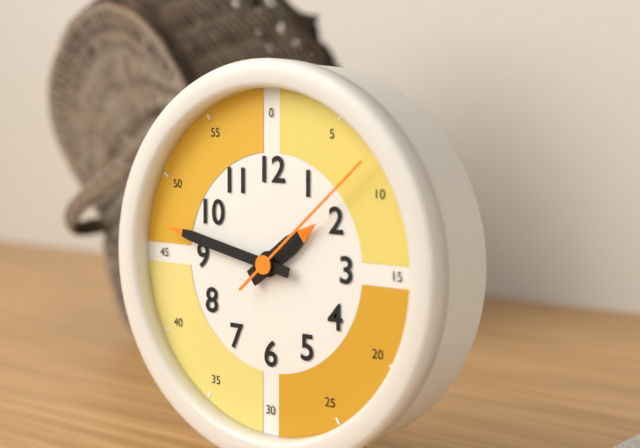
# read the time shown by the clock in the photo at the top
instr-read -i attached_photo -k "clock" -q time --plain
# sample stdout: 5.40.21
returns 1.47.08
